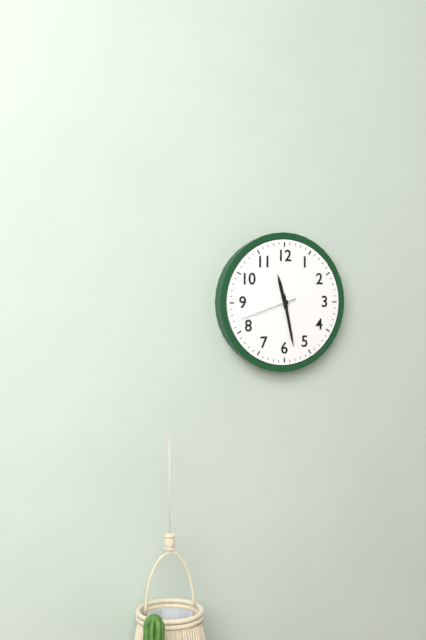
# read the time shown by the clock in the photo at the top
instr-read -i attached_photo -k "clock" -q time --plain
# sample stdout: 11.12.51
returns 11.28.42
